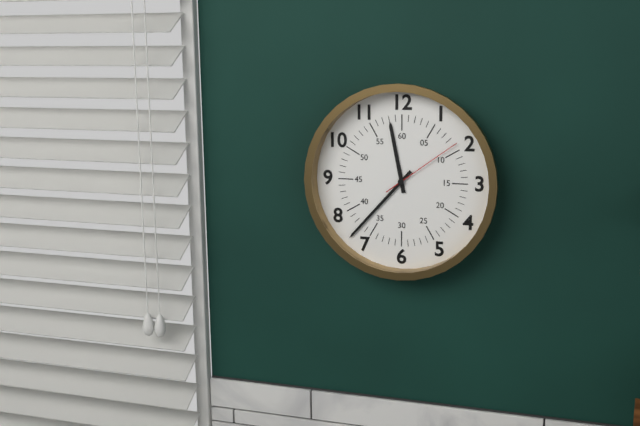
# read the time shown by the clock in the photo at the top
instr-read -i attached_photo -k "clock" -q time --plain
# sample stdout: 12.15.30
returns 11.37.09
